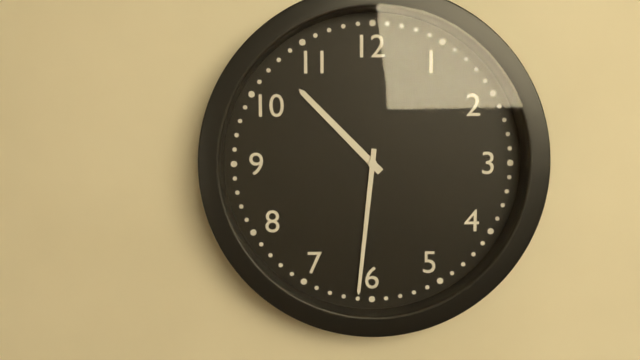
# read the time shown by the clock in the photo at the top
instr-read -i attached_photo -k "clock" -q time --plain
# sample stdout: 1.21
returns 10.31
